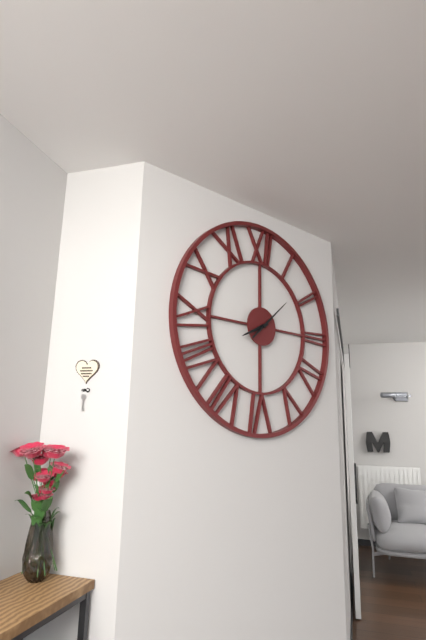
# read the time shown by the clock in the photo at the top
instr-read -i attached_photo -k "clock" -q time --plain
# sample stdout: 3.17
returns 8.08
